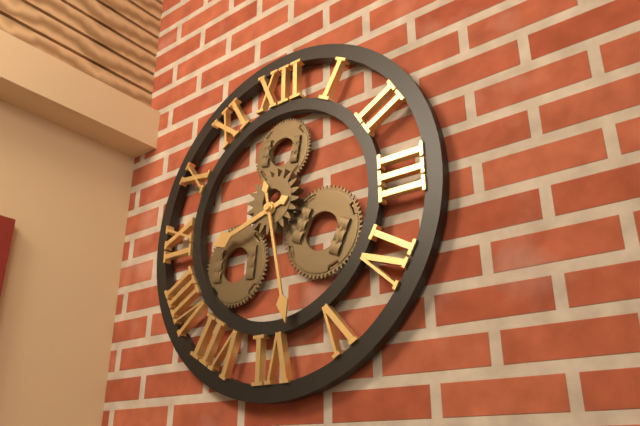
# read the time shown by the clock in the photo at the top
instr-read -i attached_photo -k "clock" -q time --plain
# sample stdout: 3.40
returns 8.28
